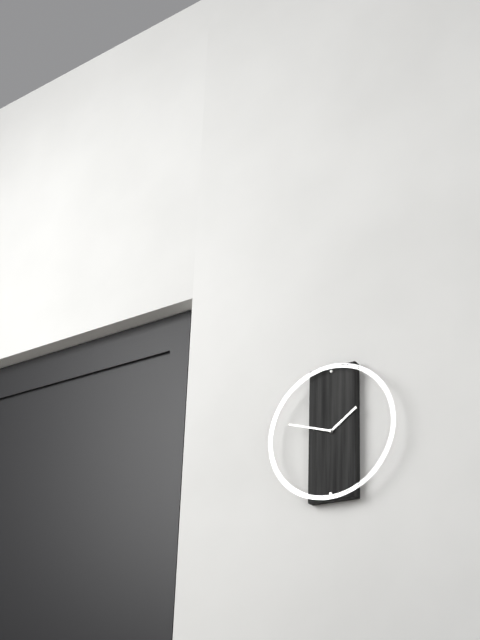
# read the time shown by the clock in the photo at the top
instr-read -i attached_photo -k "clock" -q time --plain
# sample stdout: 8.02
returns 1.48
